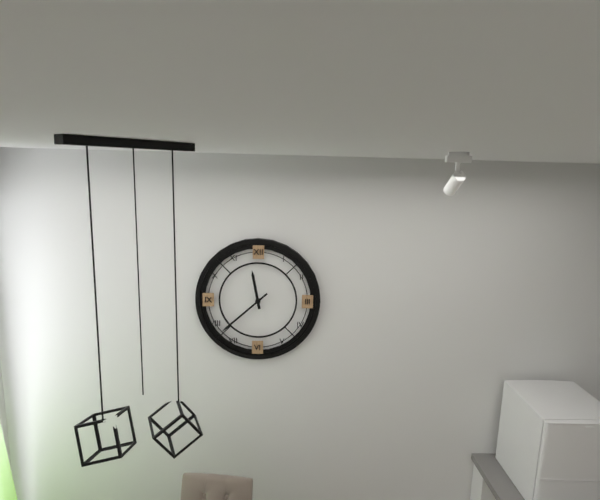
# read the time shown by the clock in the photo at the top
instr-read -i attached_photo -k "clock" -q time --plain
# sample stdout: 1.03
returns 11.38
